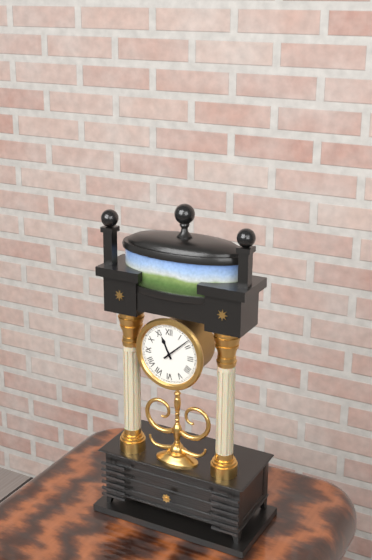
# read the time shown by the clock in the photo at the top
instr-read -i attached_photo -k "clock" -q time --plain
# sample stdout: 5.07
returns 11.08
